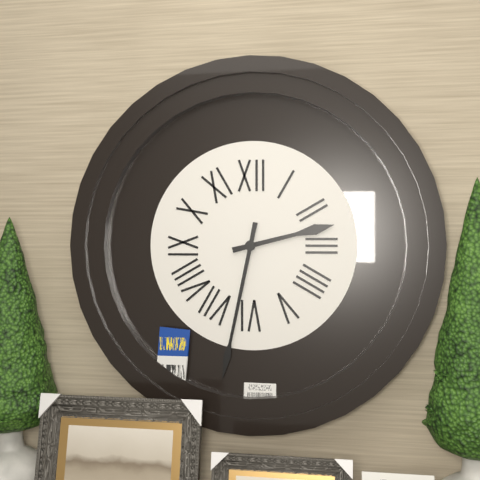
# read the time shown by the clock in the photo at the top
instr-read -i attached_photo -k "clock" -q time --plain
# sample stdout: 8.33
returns 2.32
